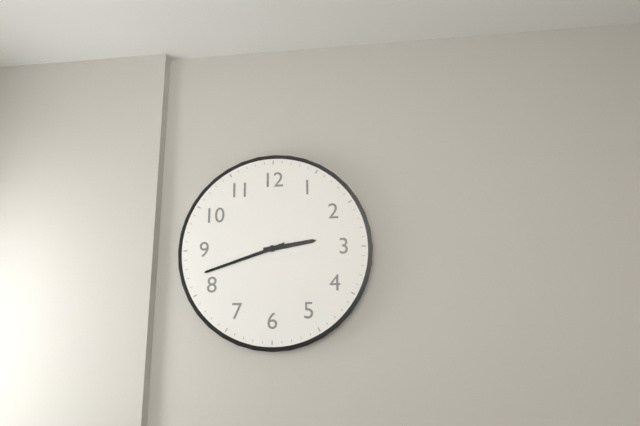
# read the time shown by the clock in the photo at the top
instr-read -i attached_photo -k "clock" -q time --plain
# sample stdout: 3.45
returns 2.42
